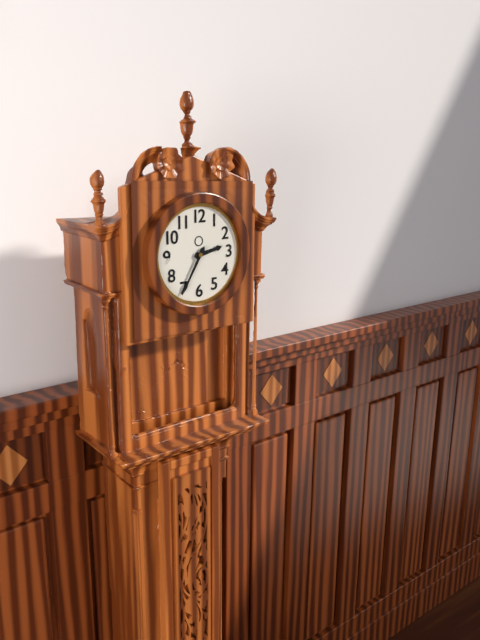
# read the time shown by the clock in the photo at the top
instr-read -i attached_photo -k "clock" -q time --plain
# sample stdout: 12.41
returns 2.35
